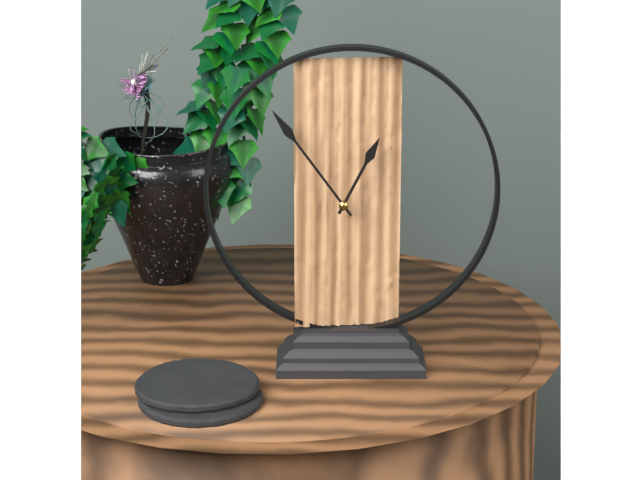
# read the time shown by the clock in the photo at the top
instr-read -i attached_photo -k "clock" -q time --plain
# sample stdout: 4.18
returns 12.54
